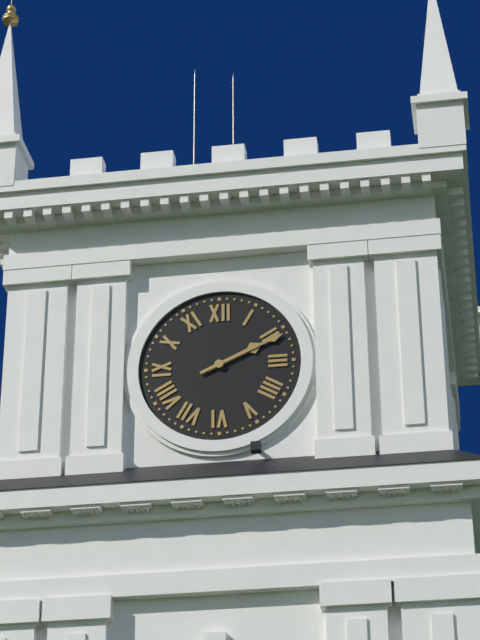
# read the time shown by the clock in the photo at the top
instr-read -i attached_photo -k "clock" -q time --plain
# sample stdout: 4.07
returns 2.11
